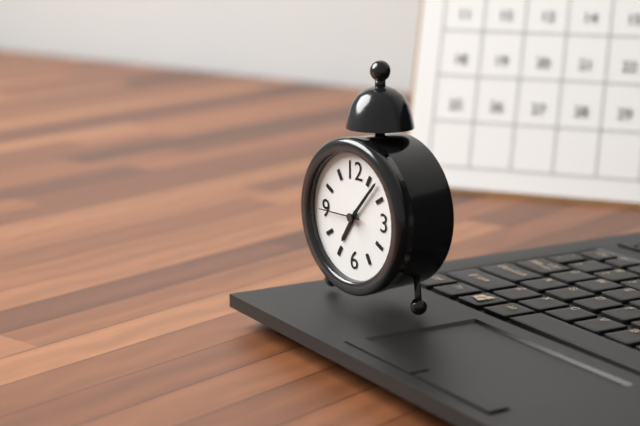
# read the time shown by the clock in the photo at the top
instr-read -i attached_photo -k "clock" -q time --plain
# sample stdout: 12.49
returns 7.07
